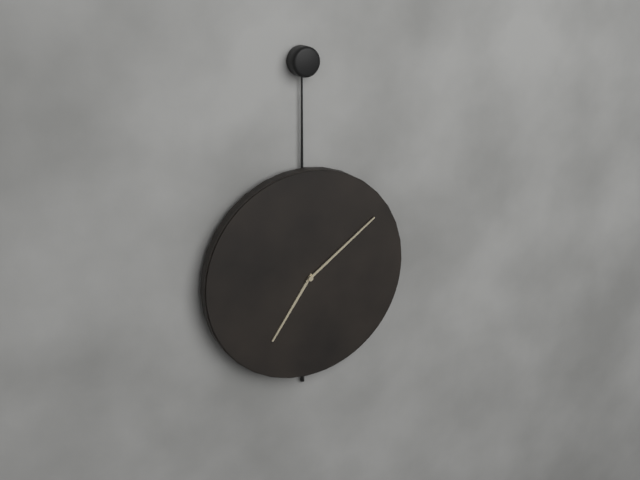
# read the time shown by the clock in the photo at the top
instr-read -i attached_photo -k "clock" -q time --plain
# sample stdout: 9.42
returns 7.09
